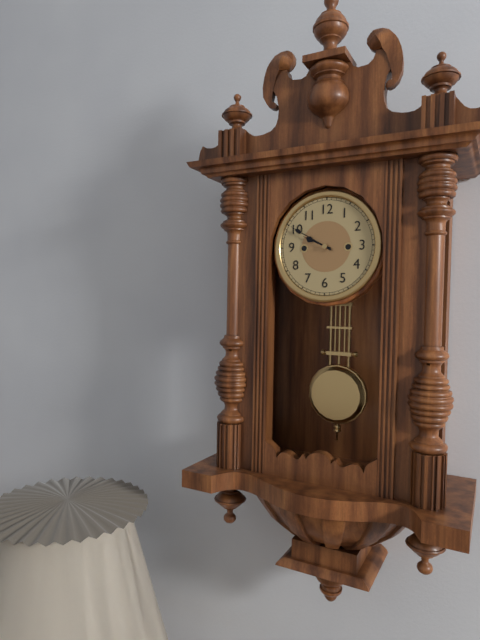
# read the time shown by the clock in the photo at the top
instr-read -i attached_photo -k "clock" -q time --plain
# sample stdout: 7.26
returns 9.50
